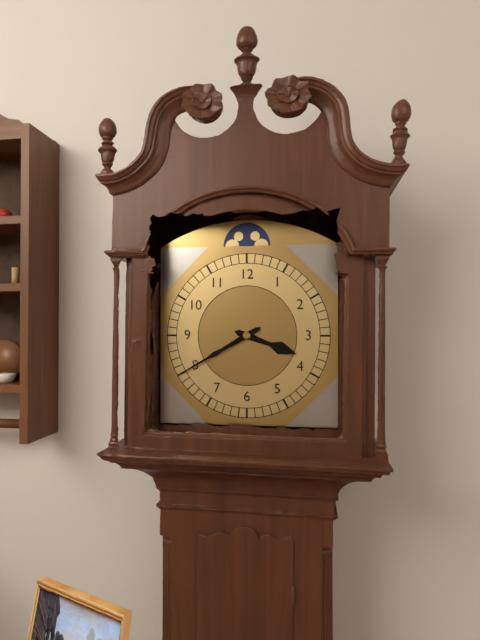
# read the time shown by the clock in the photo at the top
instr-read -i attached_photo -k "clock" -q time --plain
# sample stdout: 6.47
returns 3.40
